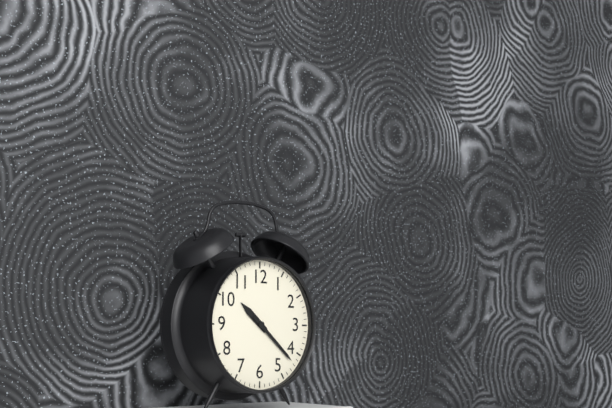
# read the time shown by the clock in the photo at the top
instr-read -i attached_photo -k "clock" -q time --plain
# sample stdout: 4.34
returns 10.22
